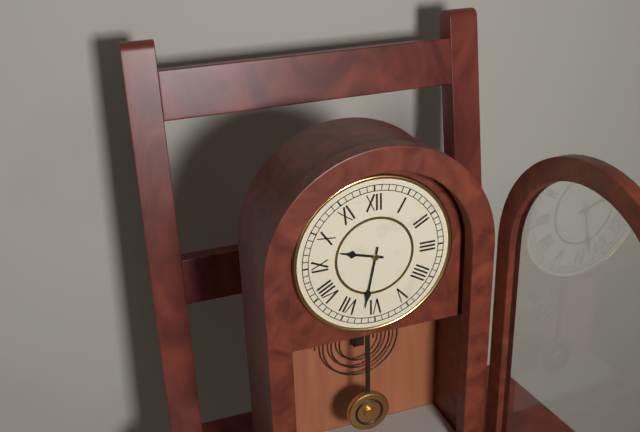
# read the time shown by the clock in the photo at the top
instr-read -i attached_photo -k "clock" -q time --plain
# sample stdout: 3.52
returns 9.32
